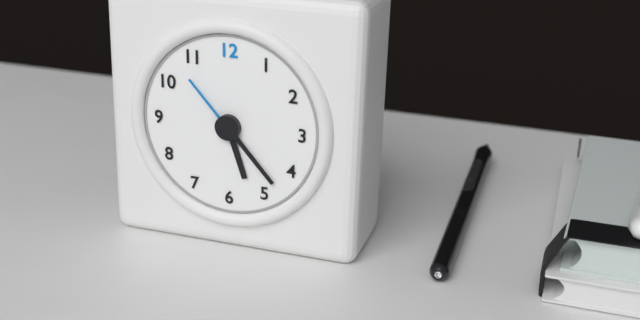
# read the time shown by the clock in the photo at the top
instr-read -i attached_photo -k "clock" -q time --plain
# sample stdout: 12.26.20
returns 5.23.53
